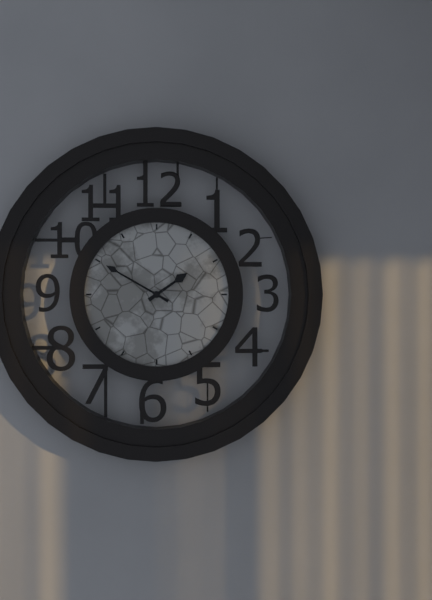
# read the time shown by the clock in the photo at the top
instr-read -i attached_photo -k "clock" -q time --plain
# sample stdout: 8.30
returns 1.50
